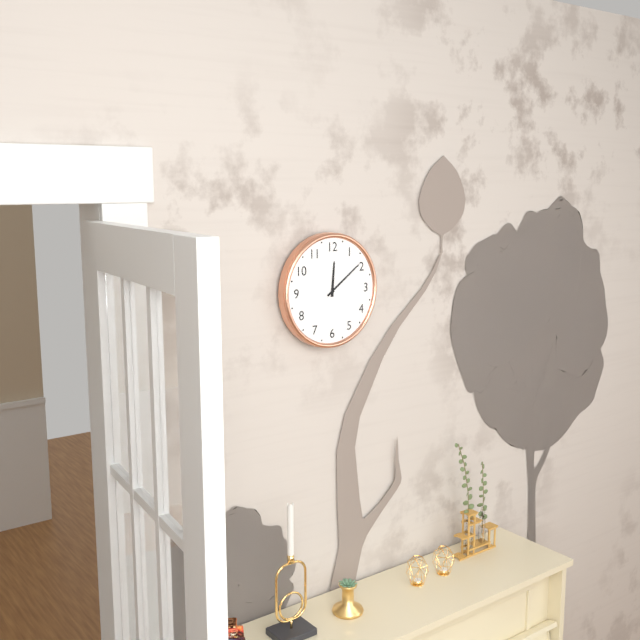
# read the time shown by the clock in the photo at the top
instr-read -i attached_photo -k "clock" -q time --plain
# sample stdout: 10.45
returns 12.09
